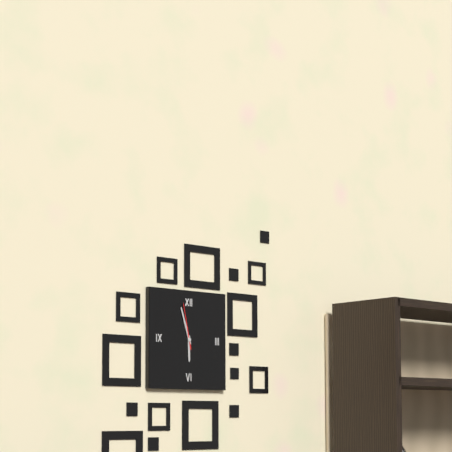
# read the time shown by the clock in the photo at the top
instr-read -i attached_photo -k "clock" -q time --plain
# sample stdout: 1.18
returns 5.57
